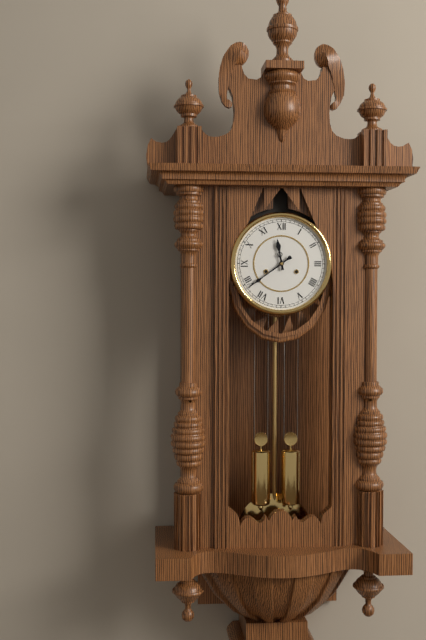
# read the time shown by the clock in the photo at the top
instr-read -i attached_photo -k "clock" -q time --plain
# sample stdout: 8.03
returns 11.39
